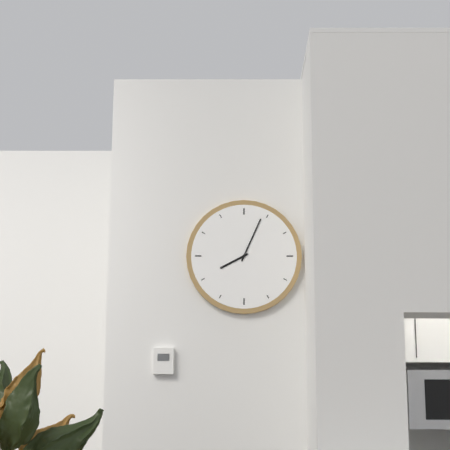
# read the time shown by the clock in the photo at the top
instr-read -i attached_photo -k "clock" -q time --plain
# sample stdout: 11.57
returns 8.04
